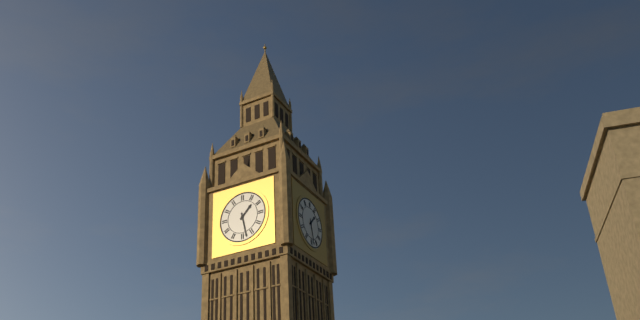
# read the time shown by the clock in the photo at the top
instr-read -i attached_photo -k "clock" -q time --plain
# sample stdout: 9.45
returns 1.28
